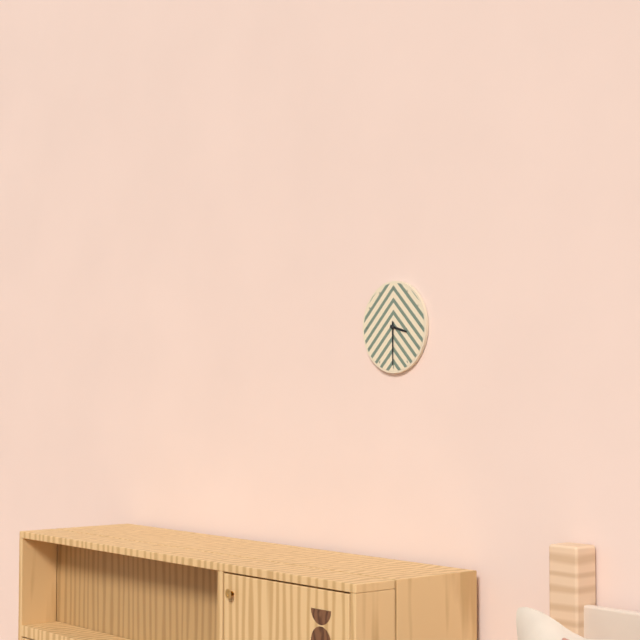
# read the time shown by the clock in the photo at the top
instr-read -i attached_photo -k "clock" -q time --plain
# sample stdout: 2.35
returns 3.30
